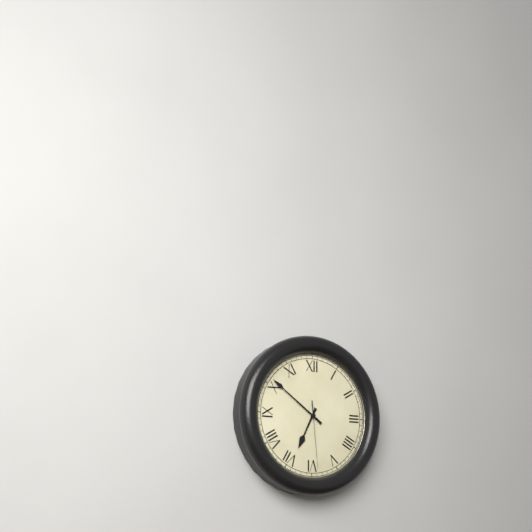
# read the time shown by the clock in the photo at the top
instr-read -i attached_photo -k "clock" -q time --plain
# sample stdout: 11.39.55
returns 6.51.29
